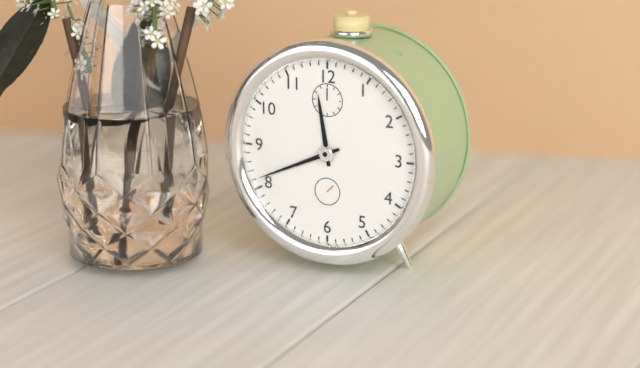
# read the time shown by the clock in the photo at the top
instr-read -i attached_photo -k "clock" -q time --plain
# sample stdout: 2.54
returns 11.41
